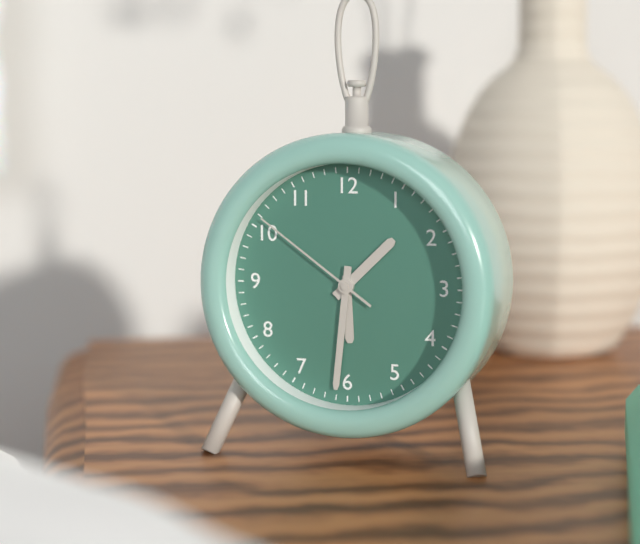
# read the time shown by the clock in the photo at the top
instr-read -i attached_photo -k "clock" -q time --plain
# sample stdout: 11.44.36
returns 1.31.51
